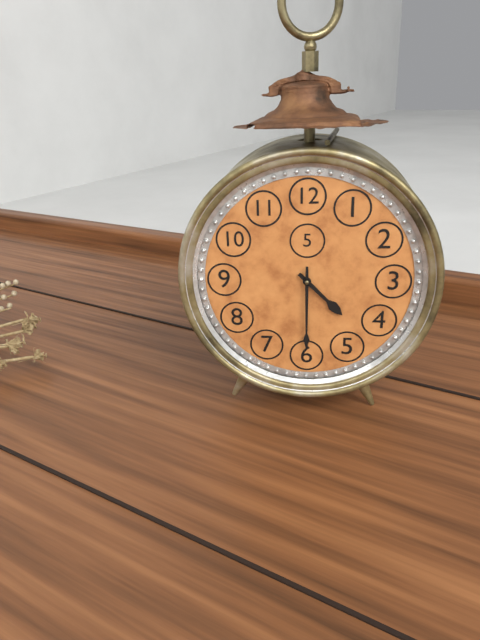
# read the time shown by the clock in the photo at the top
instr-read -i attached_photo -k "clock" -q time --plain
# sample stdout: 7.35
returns 4.30
